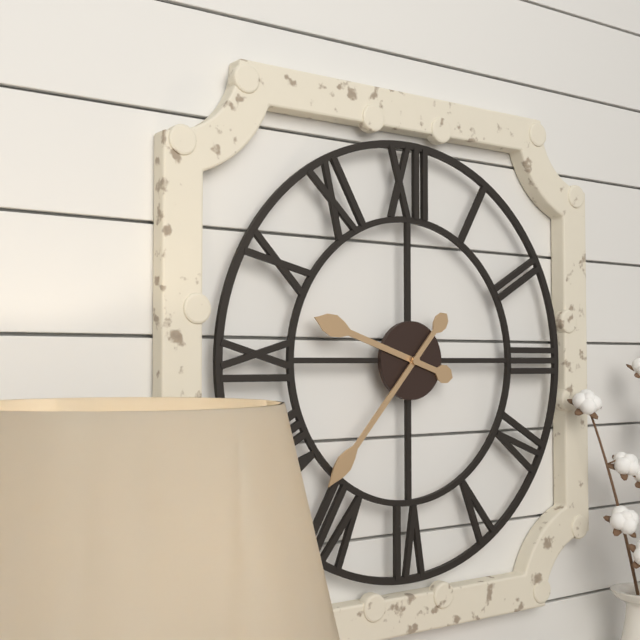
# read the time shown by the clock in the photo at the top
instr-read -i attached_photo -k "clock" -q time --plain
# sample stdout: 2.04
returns 9.37
